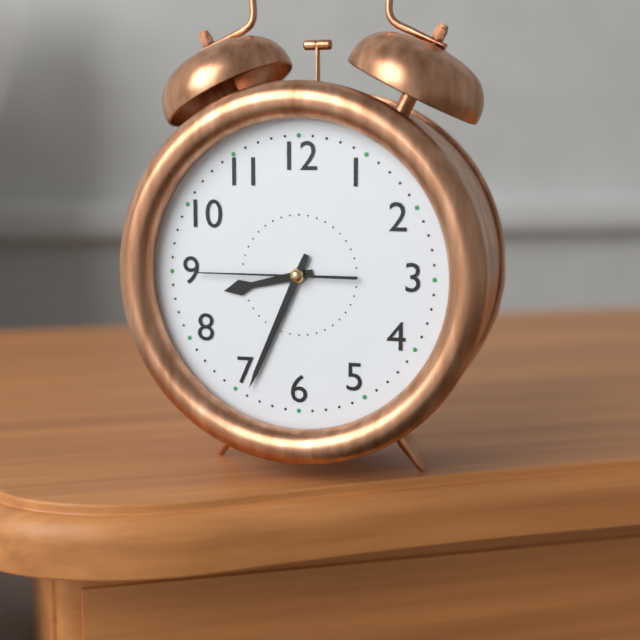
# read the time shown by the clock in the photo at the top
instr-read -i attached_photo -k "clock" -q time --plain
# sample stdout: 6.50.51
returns 8.34.45
